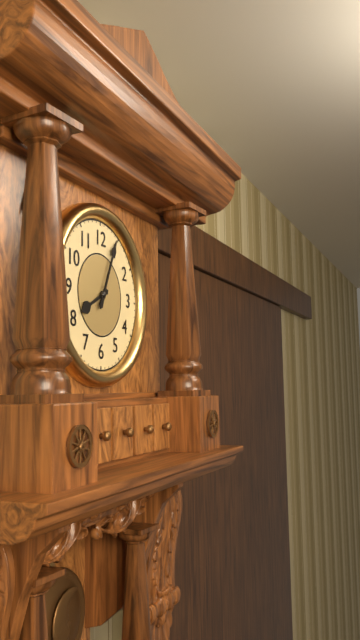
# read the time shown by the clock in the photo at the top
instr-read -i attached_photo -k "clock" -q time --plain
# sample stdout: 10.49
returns 8.04
